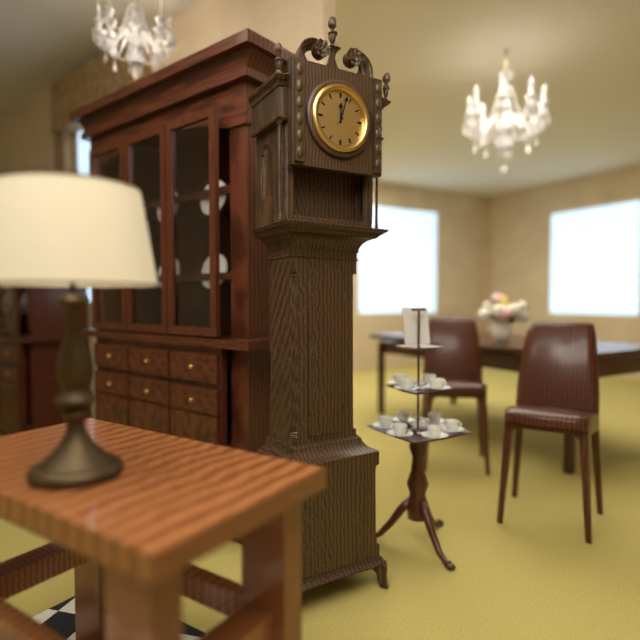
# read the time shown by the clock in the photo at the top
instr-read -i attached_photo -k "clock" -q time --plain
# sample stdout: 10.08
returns 12.03
